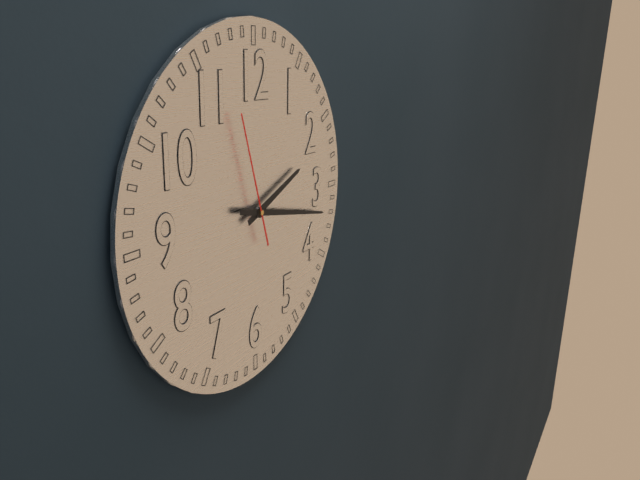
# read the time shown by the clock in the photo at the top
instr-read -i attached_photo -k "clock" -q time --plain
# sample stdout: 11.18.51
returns 2.17.57
